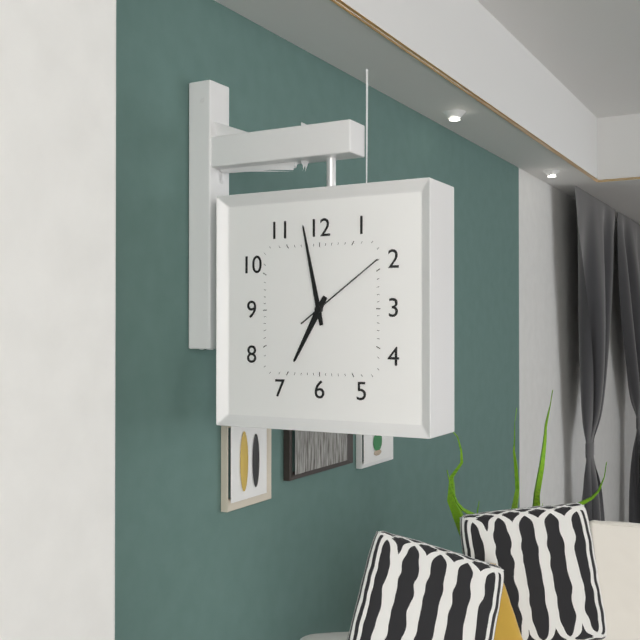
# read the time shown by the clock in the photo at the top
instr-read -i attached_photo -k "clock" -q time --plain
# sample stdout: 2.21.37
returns 6.58.09
